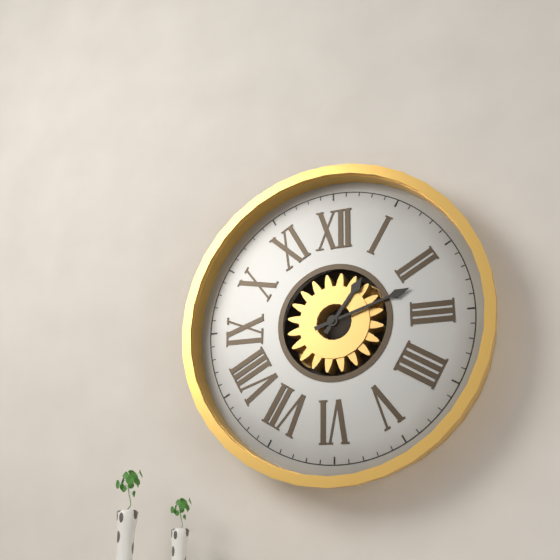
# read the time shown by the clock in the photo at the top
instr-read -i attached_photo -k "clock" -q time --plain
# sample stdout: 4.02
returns 1.12
